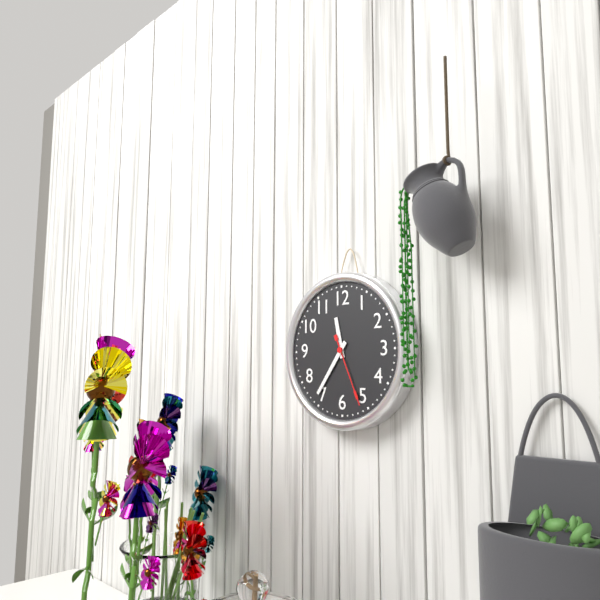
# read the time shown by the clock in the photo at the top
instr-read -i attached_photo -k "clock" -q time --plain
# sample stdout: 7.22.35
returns 11.36.26
